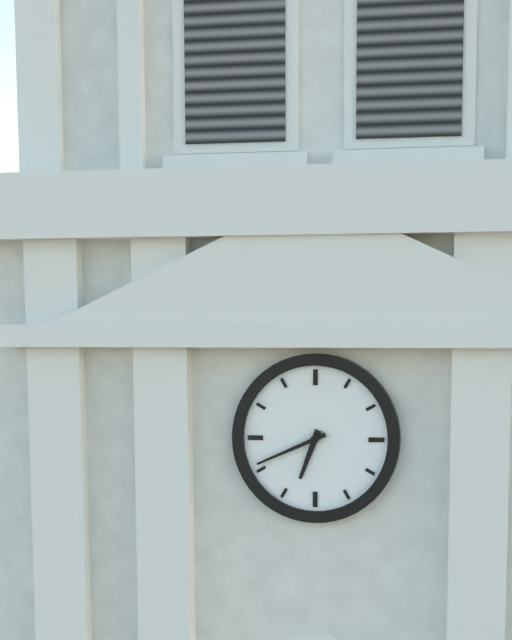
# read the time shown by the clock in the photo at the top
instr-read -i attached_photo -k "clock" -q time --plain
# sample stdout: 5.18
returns 6.41
